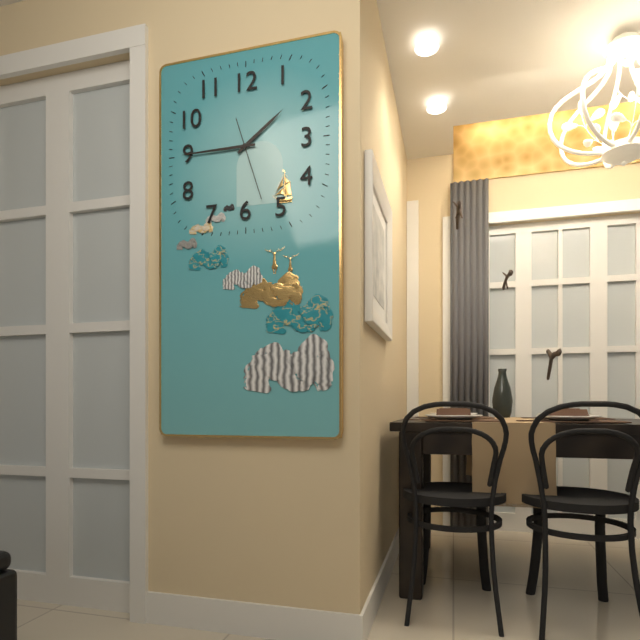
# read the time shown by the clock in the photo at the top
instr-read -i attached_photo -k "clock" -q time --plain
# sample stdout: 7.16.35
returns 1.45.27
